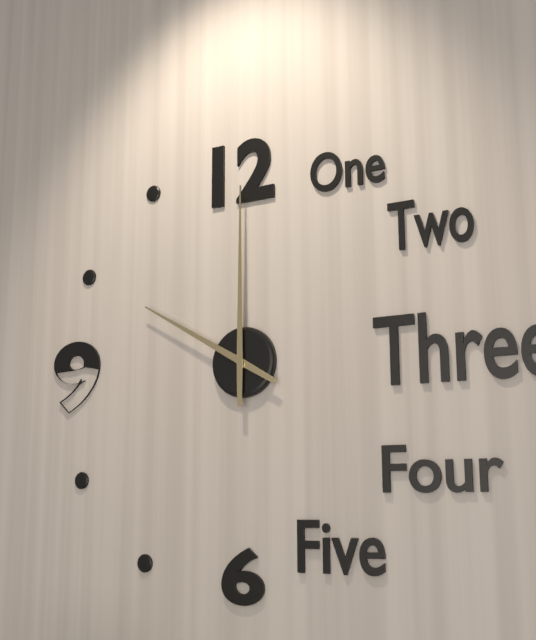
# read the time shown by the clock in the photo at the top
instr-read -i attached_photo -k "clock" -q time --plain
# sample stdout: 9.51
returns 10.00
